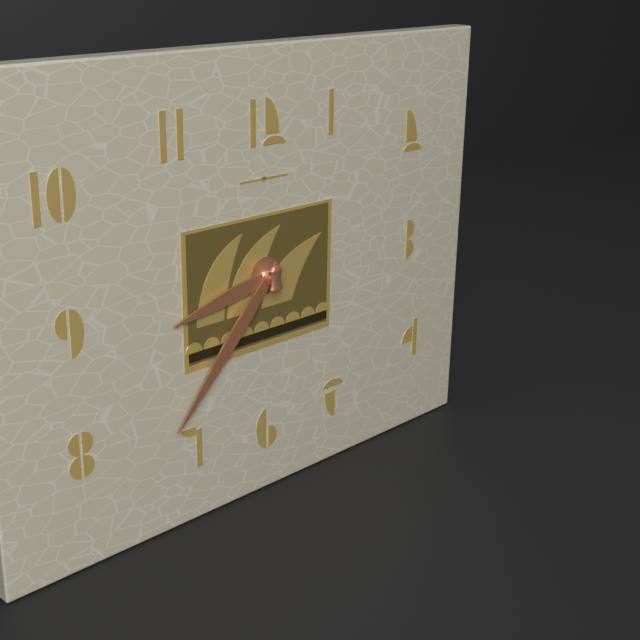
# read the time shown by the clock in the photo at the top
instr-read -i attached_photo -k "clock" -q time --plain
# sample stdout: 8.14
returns 8.37
